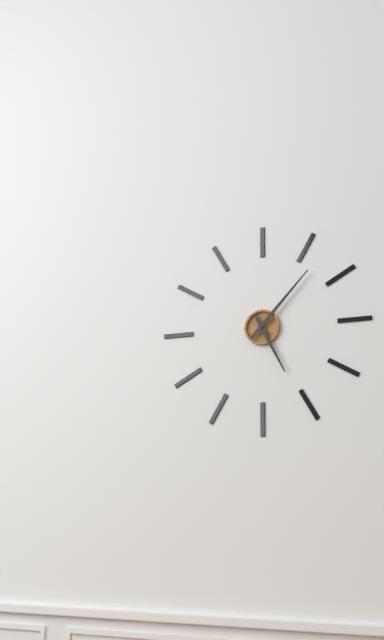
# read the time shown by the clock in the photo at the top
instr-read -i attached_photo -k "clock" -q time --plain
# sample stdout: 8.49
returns 5.07
